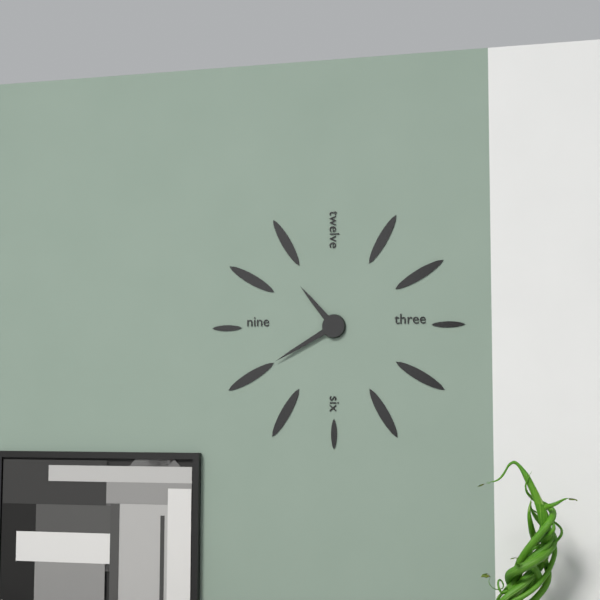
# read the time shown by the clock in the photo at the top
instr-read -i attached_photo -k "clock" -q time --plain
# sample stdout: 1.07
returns 10.40
